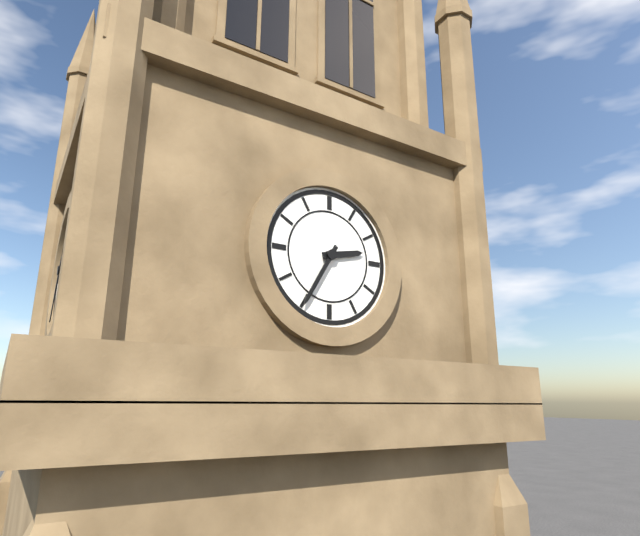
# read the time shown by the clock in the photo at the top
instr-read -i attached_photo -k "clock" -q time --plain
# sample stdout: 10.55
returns 2.35
